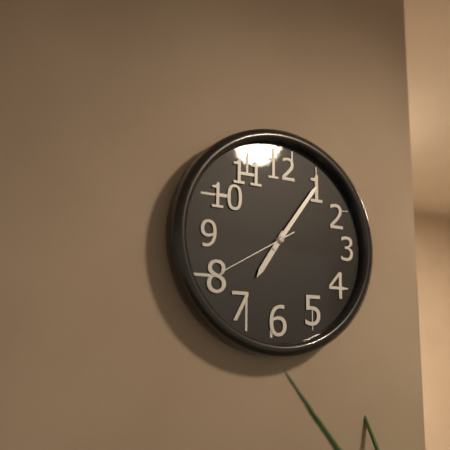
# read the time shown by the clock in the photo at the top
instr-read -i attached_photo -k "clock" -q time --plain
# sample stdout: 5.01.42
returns 7.06.40
